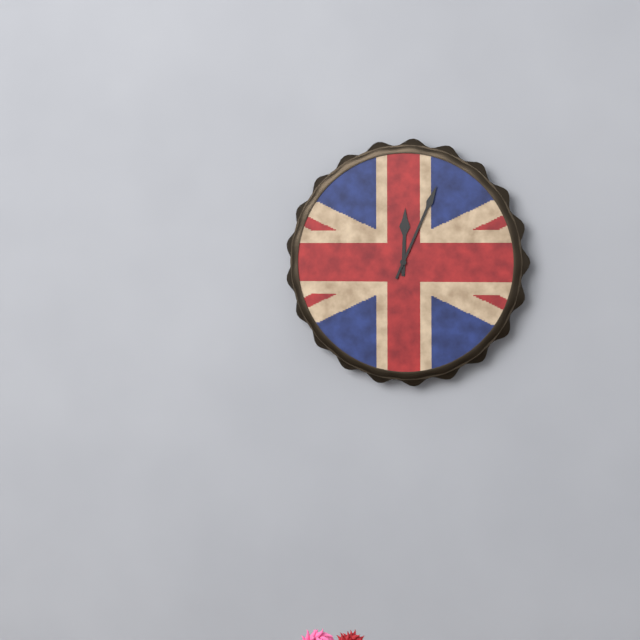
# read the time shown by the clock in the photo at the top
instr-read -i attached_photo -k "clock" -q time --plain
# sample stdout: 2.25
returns 12.04
